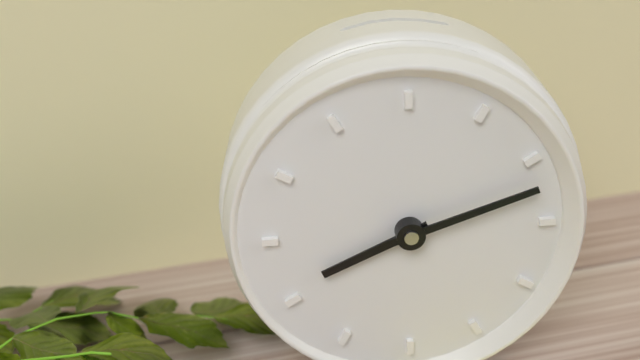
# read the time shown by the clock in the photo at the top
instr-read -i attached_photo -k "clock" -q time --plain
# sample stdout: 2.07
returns 8.12
